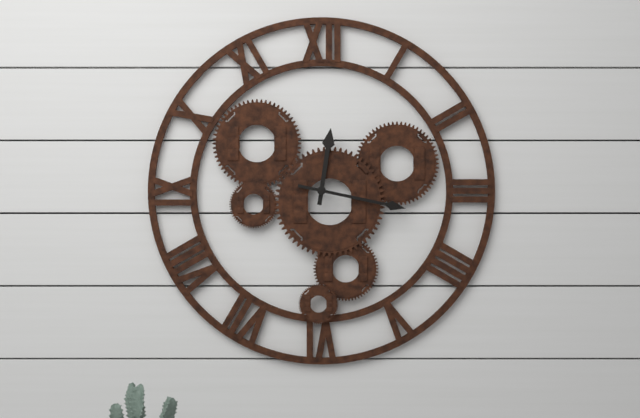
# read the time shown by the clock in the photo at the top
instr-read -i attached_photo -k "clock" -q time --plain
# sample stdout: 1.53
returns 12.17
